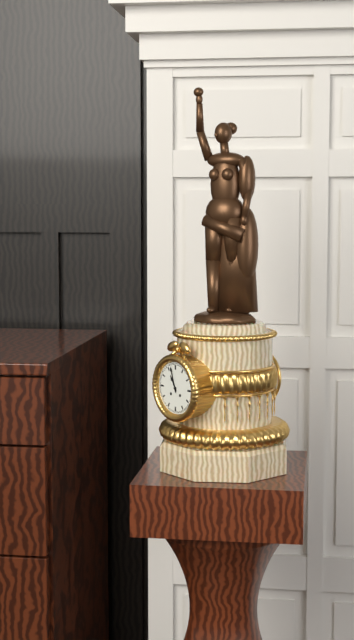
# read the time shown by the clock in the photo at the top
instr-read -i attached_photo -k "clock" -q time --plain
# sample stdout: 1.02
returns 10.57
